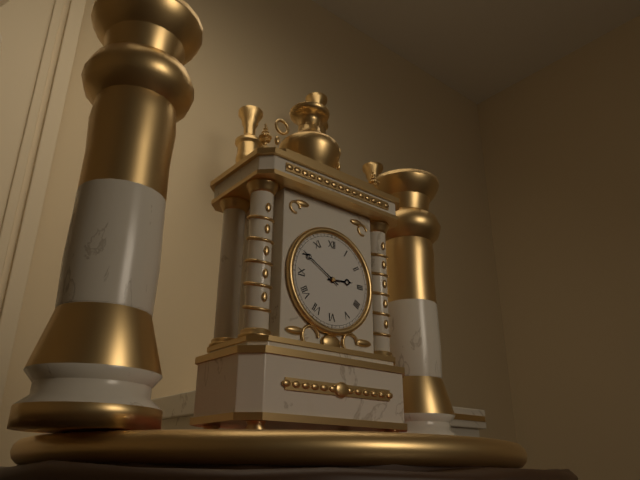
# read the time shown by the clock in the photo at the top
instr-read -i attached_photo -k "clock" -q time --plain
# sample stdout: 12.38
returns 2.50
